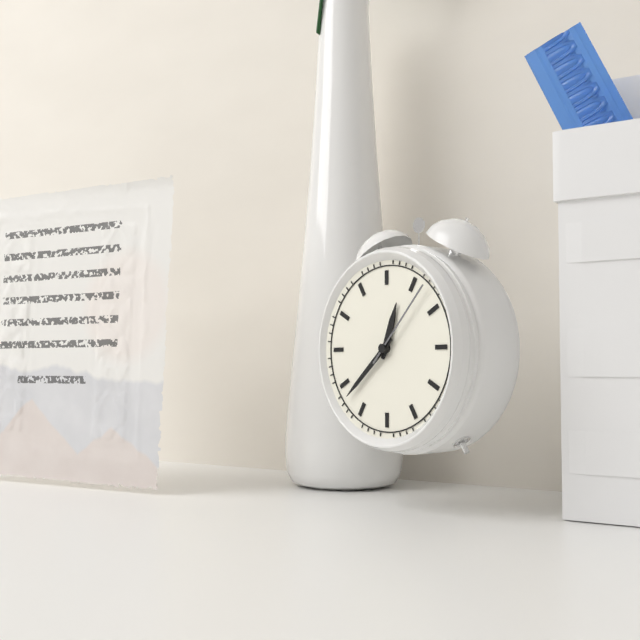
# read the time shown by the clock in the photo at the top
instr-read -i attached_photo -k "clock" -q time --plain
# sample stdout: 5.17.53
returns 12.38.07
